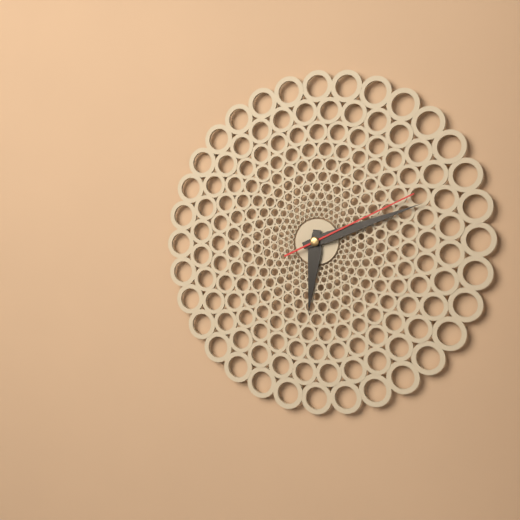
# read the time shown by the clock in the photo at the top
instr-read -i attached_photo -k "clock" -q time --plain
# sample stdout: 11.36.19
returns 6.12.11
